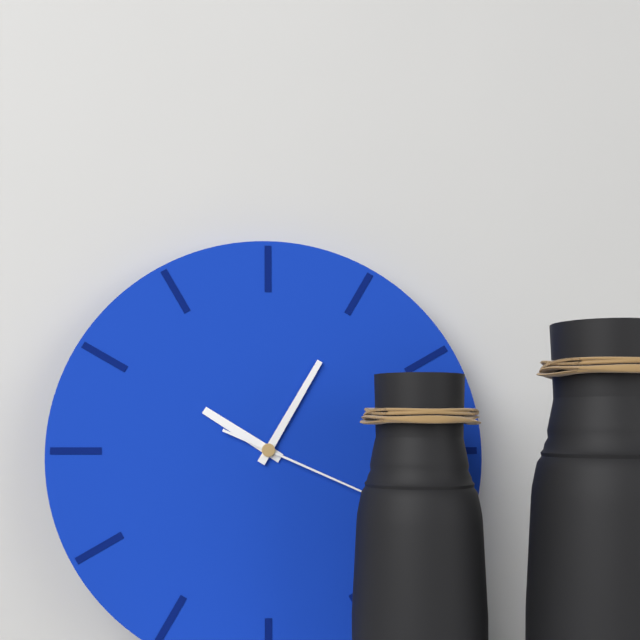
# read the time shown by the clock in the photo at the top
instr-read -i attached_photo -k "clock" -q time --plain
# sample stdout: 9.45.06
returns 10.05.19
